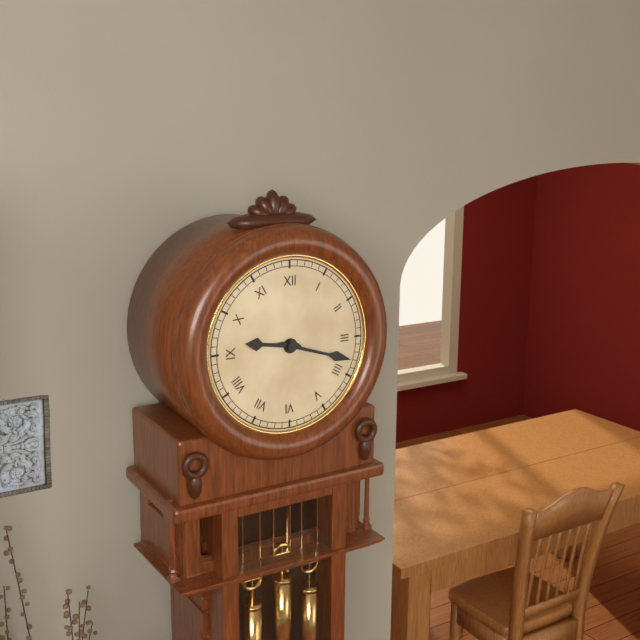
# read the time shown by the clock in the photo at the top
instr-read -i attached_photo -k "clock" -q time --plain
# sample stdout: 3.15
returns 9.18
